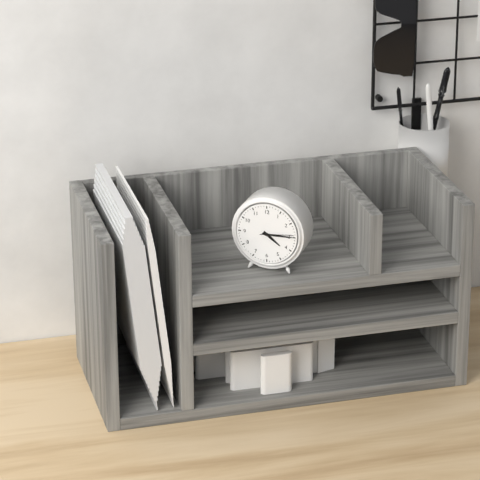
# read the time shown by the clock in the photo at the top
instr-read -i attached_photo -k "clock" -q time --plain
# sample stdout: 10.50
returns 4.15
